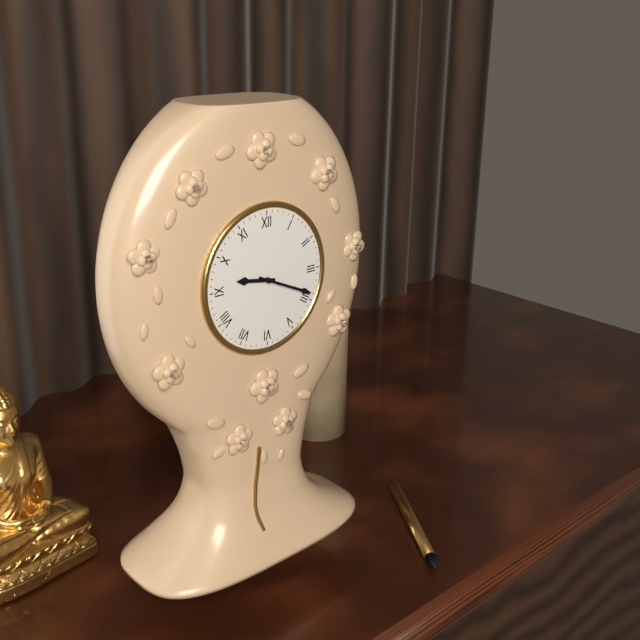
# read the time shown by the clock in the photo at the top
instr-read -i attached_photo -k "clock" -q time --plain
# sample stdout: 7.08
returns 9.19
